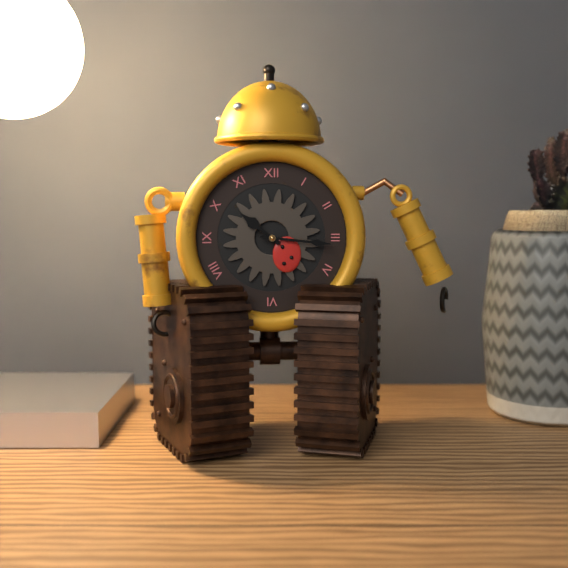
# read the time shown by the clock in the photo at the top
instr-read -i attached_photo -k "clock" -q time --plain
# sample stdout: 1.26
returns 10.16
